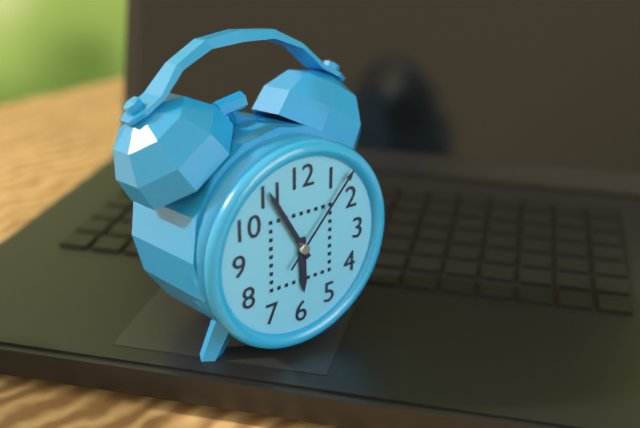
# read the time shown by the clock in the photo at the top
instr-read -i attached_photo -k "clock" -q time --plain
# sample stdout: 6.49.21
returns 5.55.07
